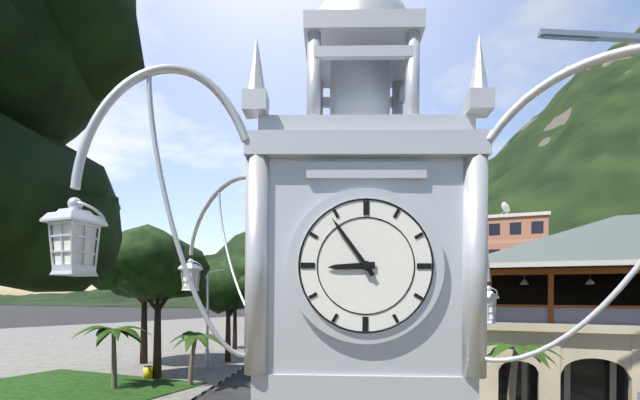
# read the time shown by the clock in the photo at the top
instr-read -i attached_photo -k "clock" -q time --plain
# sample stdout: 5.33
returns 8.54
